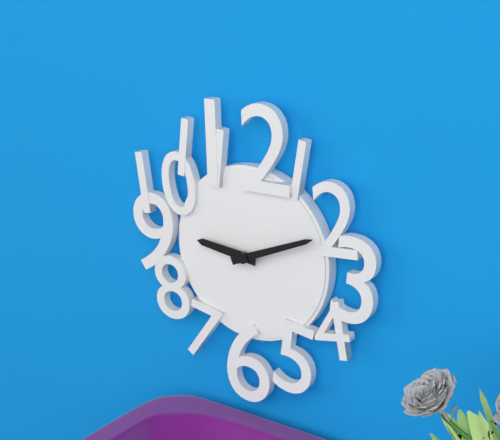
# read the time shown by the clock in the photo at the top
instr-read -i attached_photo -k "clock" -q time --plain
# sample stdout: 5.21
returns 9.11
